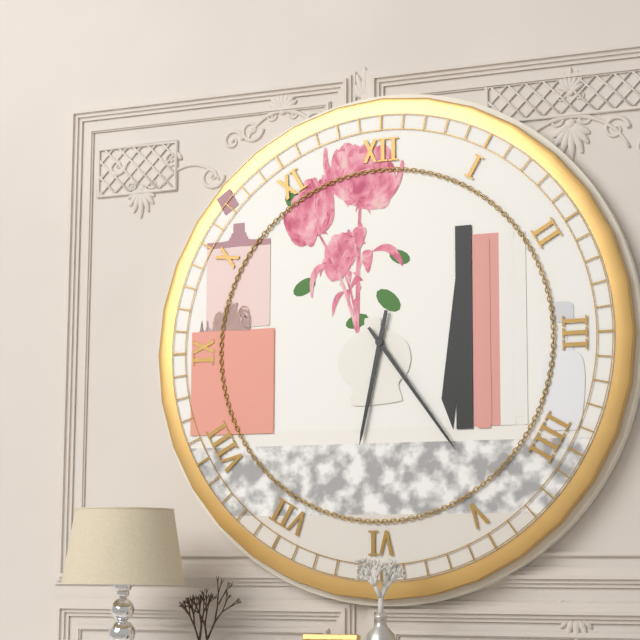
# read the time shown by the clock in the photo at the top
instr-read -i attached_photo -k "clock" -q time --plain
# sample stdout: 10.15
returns 6.24
